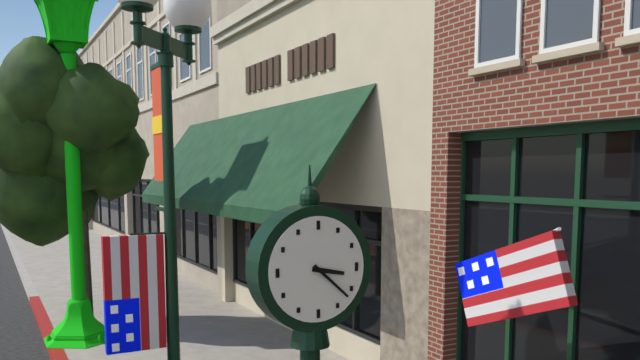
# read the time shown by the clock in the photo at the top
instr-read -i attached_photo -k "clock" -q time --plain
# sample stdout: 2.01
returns 3.22
